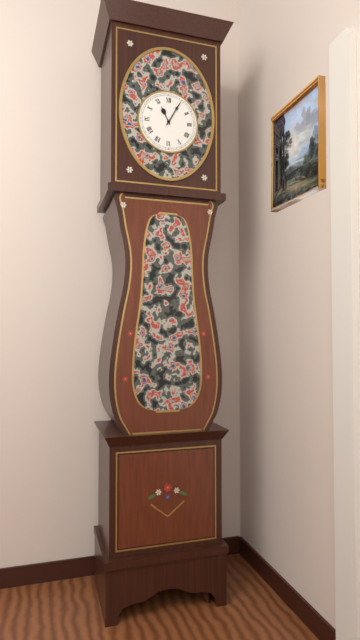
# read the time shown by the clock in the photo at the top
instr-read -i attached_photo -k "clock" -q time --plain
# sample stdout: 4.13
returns 11.05
